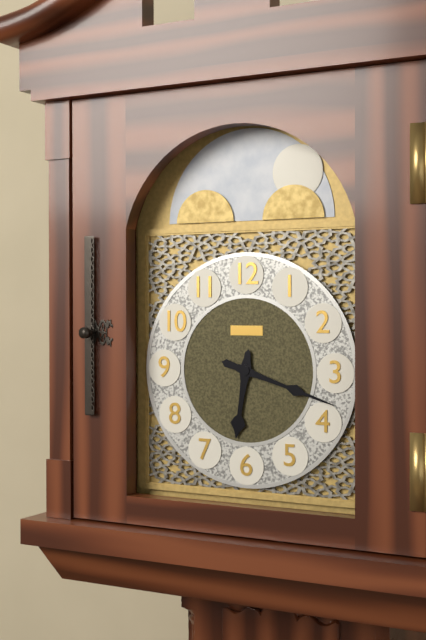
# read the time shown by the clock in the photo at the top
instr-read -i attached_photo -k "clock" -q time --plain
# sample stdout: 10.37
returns 6.18
